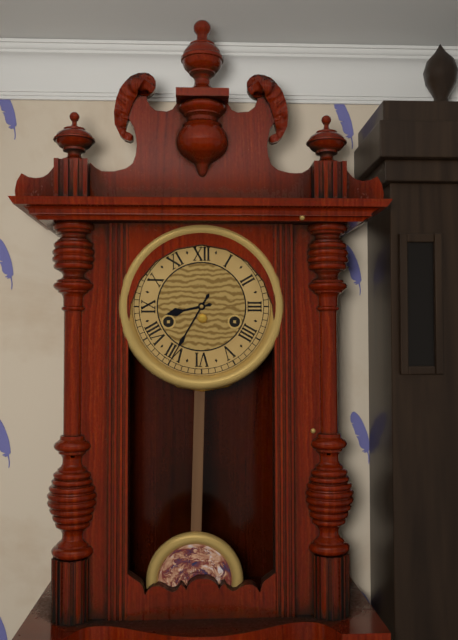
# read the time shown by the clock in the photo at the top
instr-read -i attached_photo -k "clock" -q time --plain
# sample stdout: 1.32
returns 8.35
